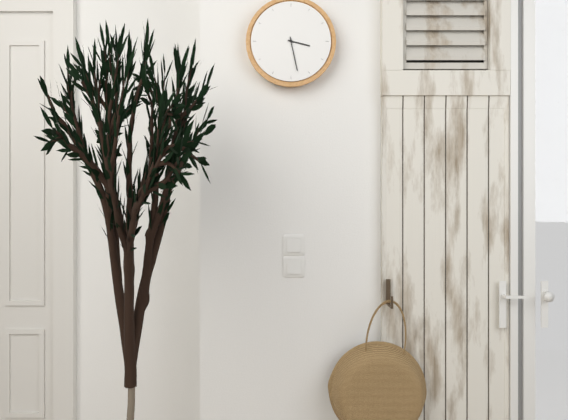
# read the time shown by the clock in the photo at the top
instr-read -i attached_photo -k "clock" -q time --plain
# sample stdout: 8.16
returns 3.28
